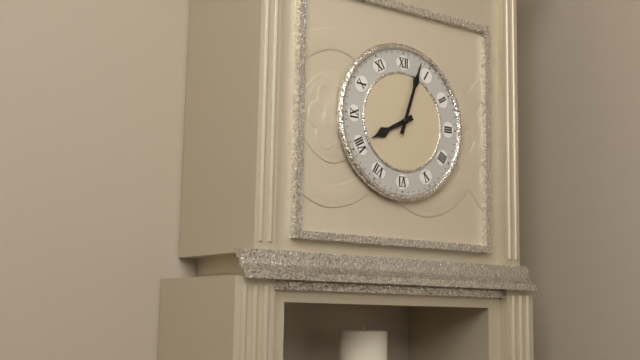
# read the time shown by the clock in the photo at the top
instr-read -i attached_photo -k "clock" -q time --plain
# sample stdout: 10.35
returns 8.03
